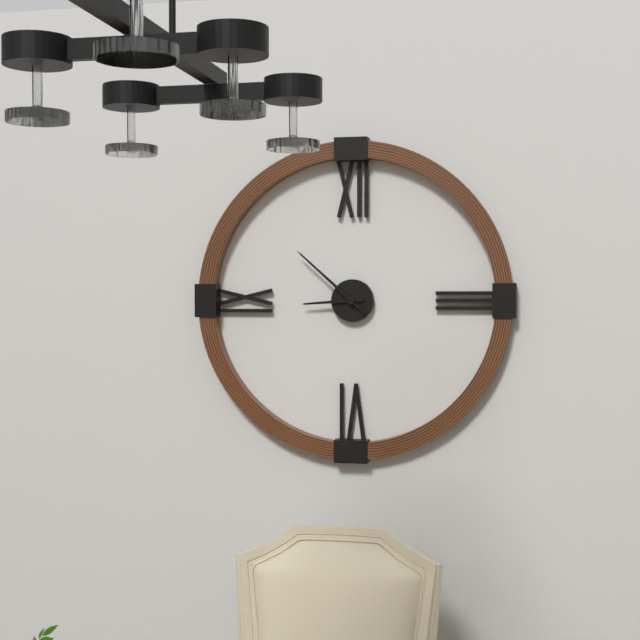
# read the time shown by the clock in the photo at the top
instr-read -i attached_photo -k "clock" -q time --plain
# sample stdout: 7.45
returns 8.52
